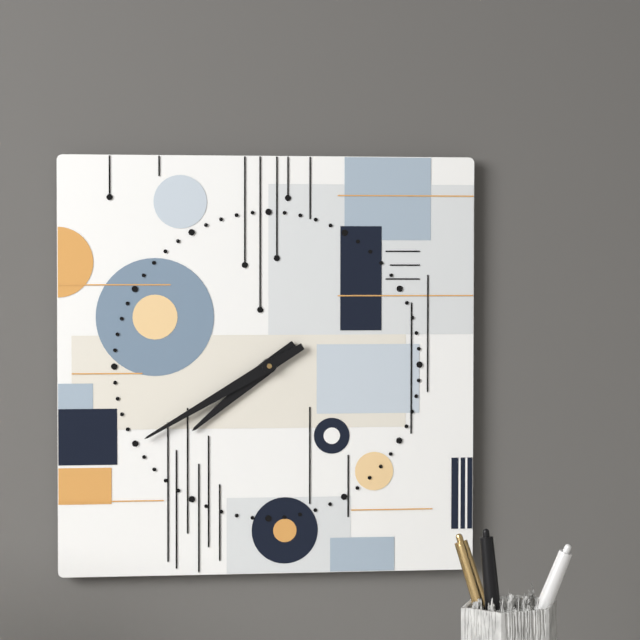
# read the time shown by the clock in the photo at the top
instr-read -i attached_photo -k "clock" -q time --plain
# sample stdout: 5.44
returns 7.40
